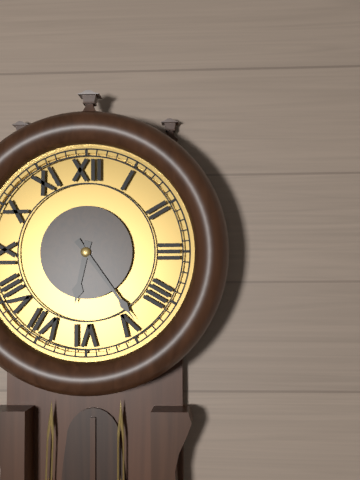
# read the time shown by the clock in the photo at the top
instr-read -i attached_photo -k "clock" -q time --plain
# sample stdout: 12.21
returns 6.24
